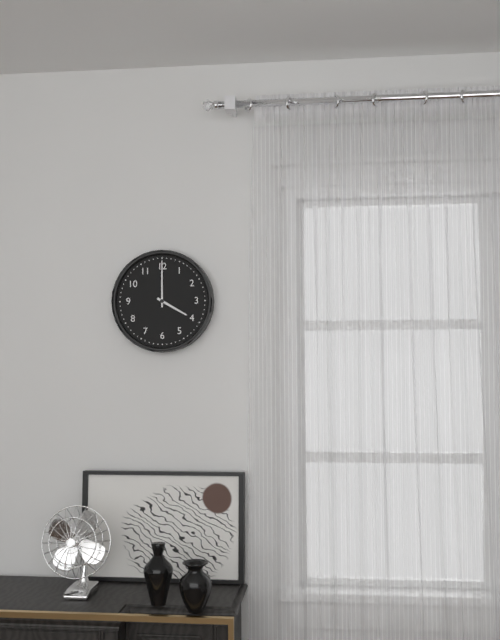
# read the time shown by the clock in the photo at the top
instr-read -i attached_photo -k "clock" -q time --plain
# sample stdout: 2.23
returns 4.00
